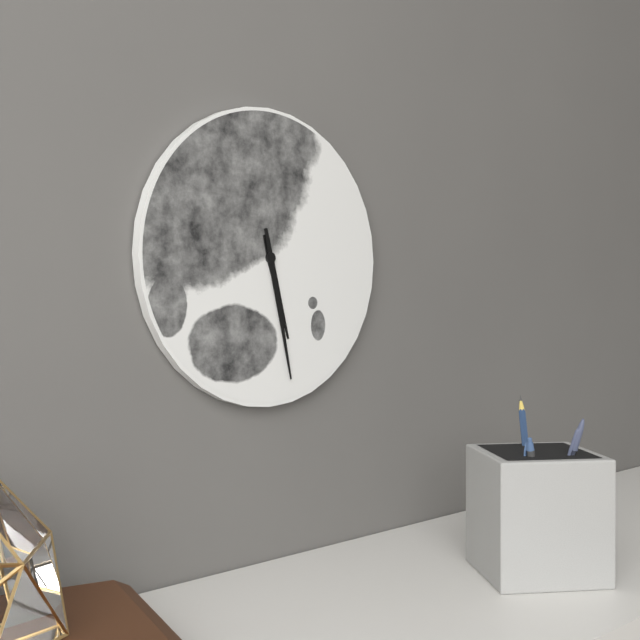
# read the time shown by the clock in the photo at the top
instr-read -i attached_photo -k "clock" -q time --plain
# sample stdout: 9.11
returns 5.28
